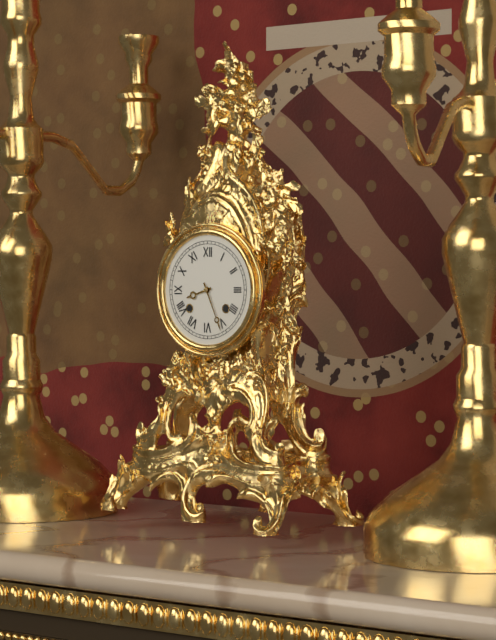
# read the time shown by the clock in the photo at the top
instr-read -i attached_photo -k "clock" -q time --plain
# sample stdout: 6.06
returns 8.26
